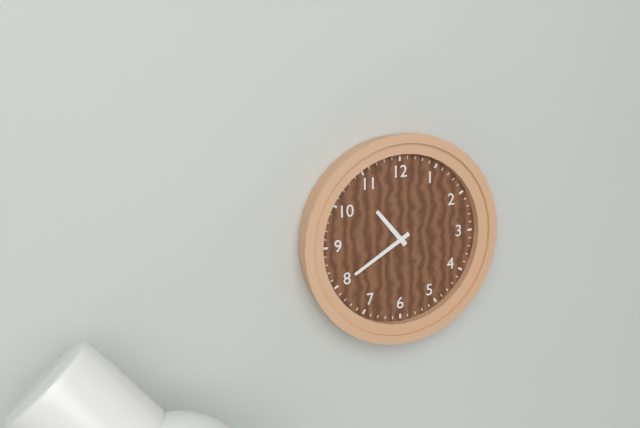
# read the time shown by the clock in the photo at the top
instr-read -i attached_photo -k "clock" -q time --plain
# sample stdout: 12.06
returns 10.40
